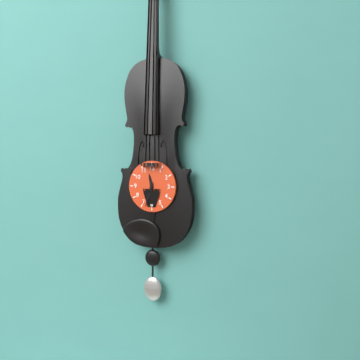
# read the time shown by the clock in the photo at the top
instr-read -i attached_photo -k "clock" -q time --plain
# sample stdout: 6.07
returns 11.33
